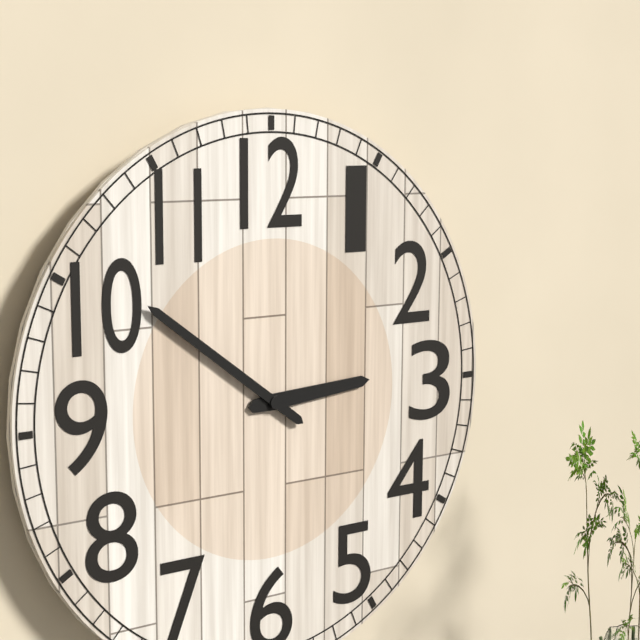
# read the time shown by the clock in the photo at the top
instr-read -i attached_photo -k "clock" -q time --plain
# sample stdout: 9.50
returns 2.51
